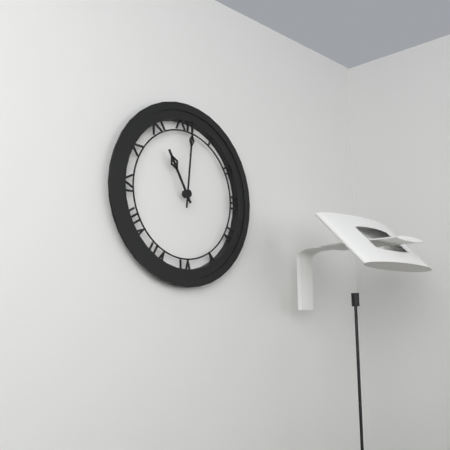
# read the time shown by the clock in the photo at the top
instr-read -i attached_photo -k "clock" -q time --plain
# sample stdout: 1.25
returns 11.01
